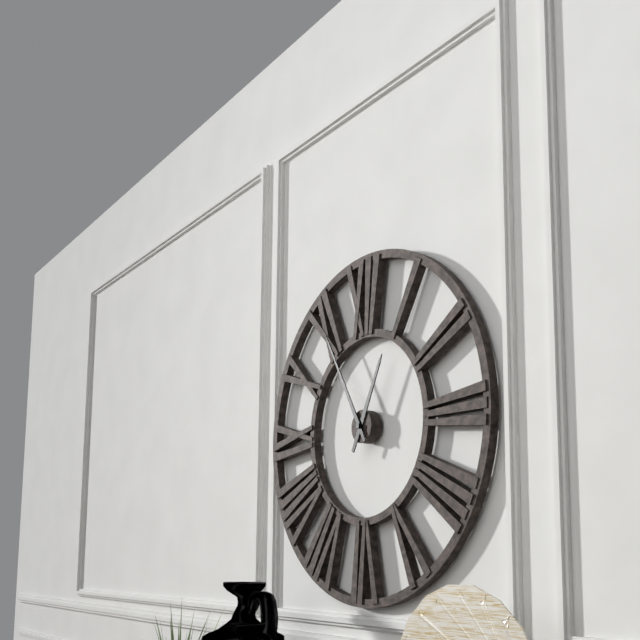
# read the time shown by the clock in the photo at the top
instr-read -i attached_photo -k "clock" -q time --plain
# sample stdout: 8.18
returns 12.55
